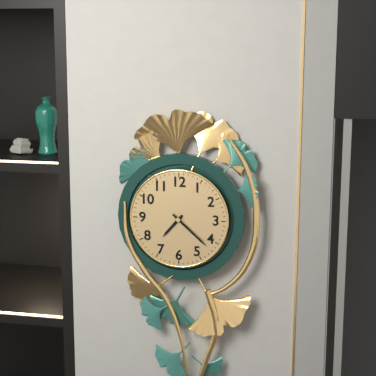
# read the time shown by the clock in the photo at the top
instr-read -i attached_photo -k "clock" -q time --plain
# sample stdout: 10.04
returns 7.22
